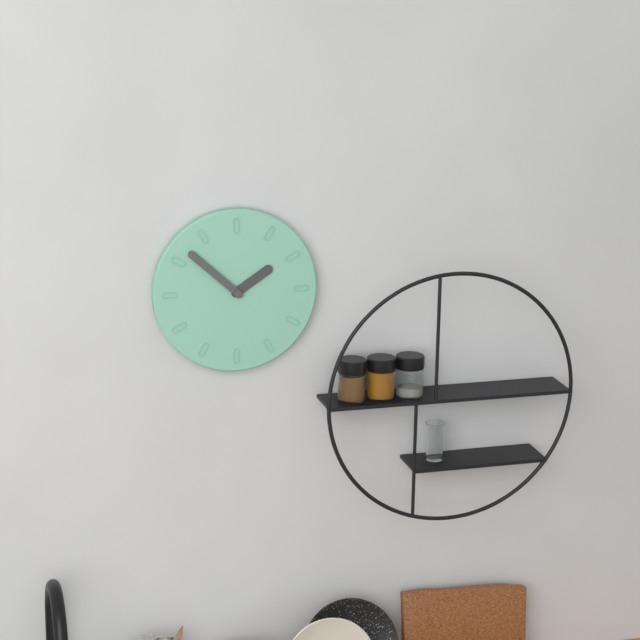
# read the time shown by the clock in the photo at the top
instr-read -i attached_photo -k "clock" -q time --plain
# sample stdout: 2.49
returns 1.52
